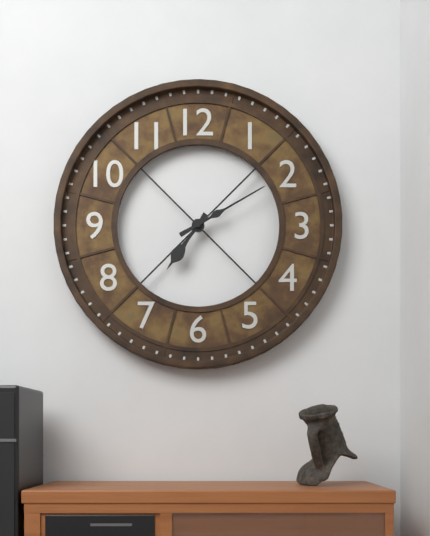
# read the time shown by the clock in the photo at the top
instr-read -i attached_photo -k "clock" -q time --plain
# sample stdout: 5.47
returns 7.10
